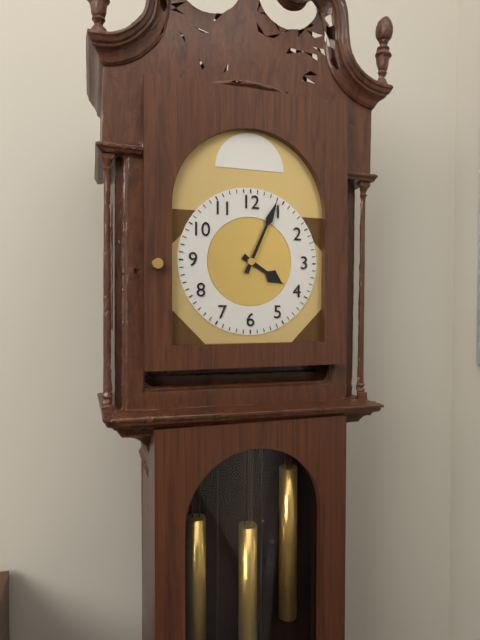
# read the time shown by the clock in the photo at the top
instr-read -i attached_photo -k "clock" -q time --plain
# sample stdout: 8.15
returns 4.04
